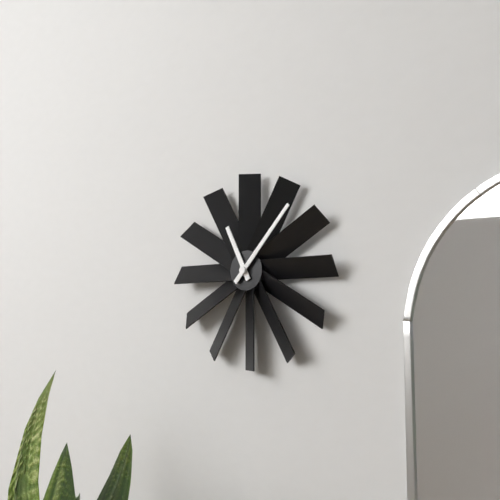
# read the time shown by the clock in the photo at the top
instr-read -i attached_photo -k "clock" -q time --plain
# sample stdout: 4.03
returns 11.07
